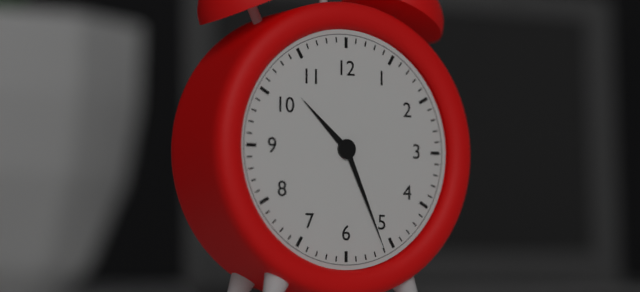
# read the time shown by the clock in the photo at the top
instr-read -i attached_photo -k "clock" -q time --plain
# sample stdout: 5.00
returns 10.26
